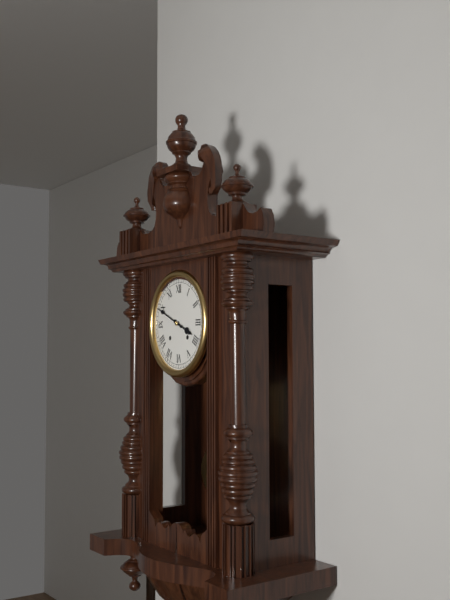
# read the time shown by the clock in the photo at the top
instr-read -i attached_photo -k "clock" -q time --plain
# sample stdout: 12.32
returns 3.49
